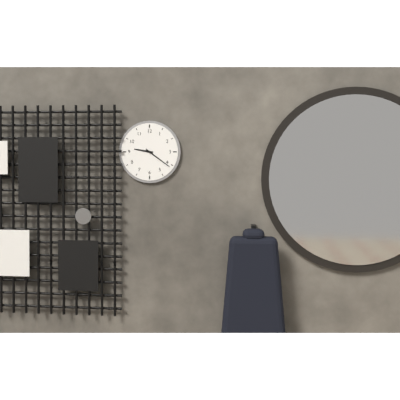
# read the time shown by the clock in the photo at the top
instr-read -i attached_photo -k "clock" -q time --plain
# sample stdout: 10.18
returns 9.21
